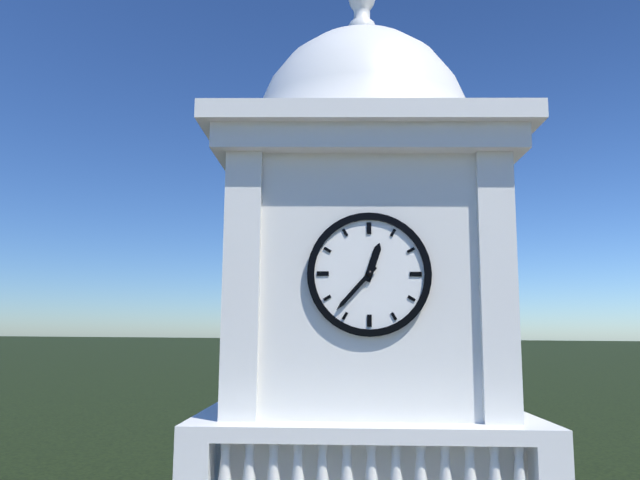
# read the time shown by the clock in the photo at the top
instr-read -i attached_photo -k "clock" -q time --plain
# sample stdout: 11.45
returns 12.37
